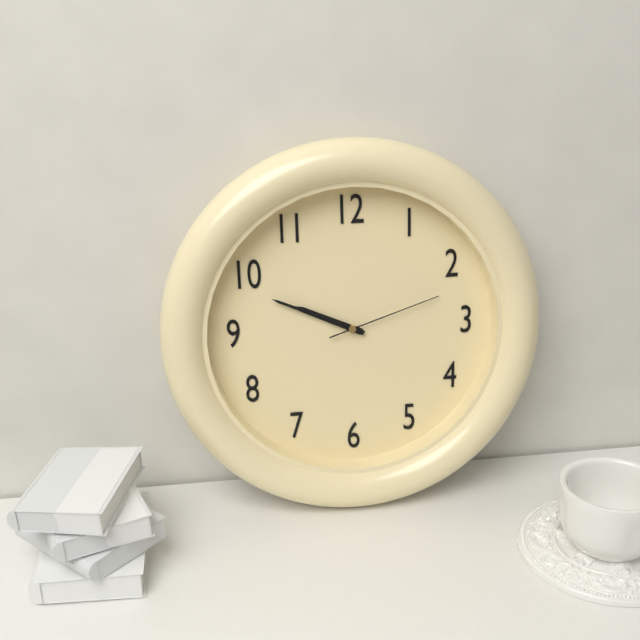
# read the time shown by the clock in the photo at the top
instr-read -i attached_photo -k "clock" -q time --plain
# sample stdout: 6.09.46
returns 9.49.12
